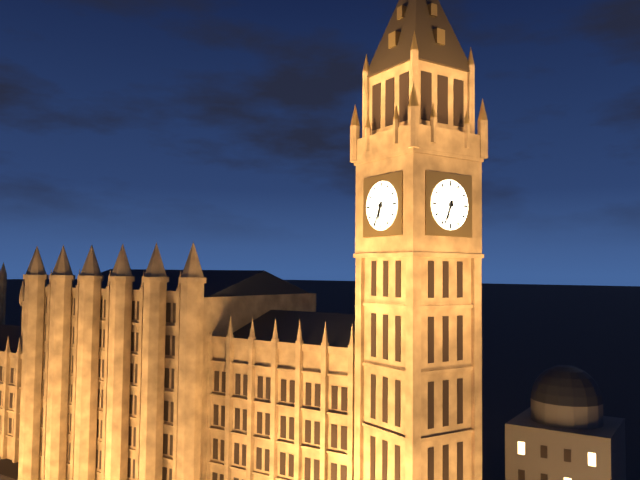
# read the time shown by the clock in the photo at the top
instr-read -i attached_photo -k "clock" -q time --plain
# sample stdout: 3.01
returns 6.34
